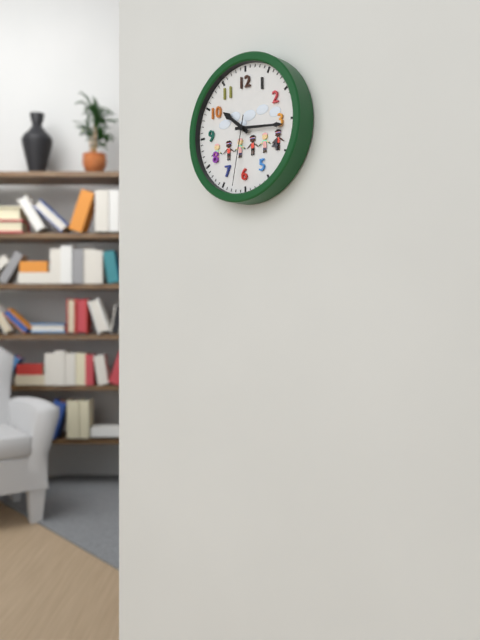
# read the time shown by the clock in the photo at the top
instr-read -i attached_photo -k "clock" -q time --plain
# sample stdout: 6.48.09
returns 10.16.32
